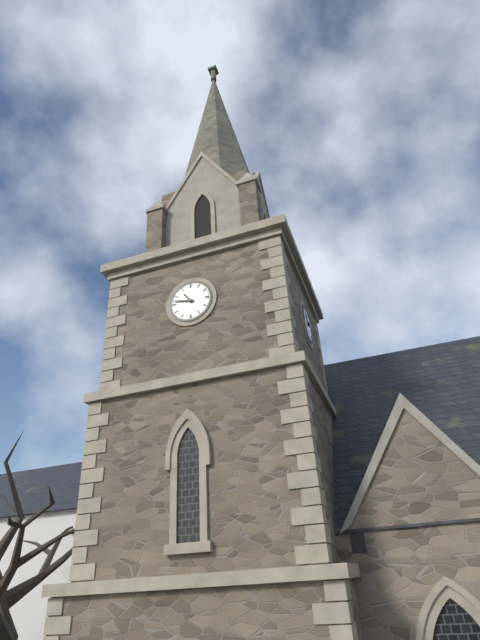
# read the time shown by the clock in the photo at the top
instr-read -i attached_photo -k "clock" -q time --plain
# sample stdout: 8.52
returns 10.47
